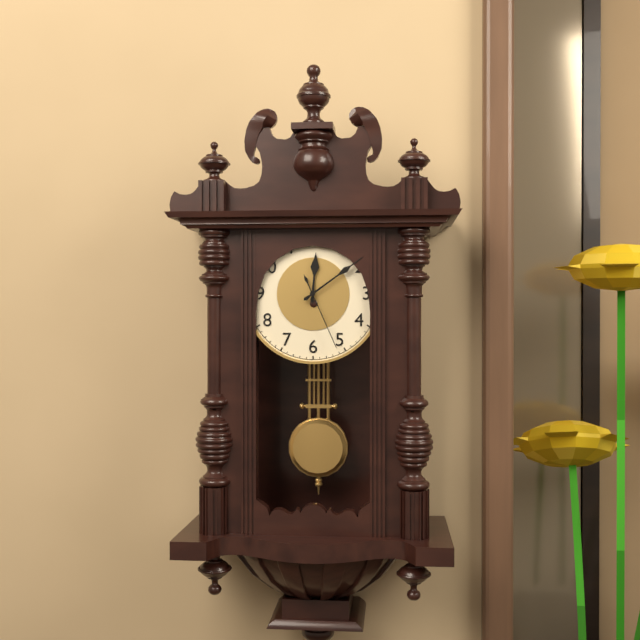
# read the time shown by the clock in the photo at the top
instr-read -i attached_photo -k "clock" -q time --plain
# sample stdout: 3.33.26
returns 12.09.26
